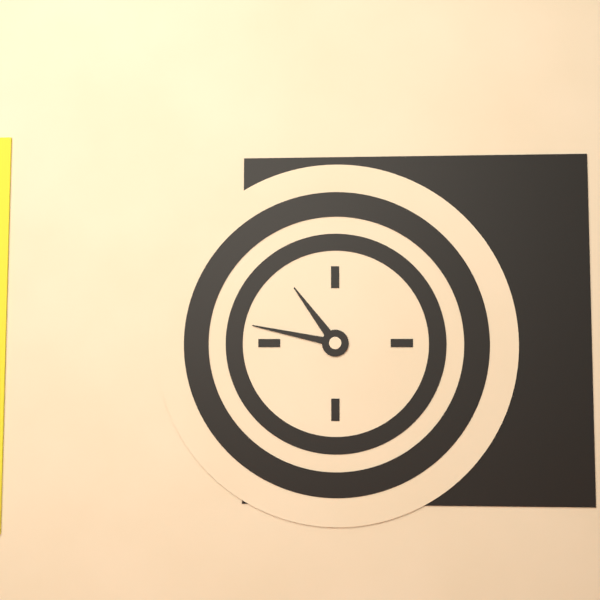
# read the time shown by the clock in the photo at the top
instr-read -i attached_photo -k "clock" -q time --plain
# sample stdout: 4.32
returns 10.47
